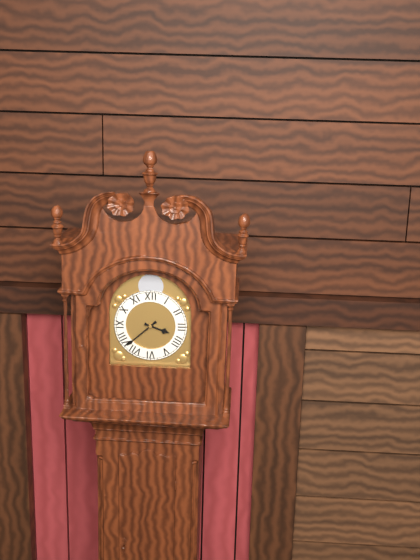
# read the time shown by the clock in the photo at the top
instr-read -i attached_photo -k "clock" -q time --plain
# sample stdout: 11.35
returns 3.38
